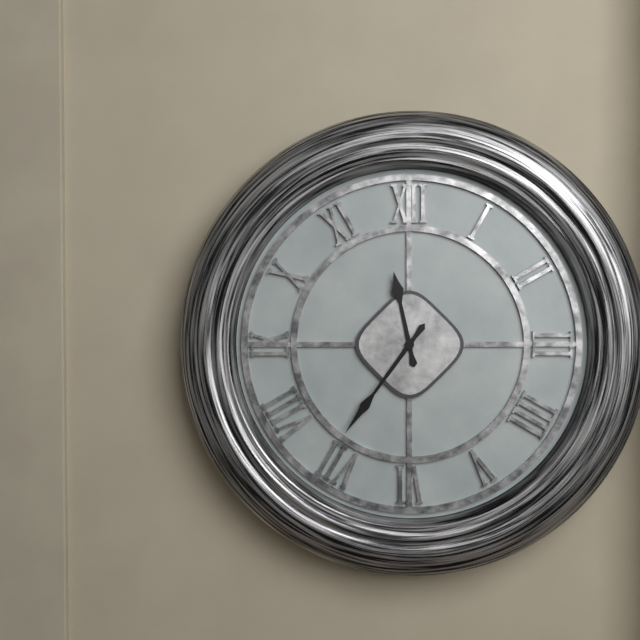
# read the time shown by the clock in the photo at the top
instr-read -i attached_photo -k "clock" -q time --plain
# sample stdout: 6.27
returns 11.36
